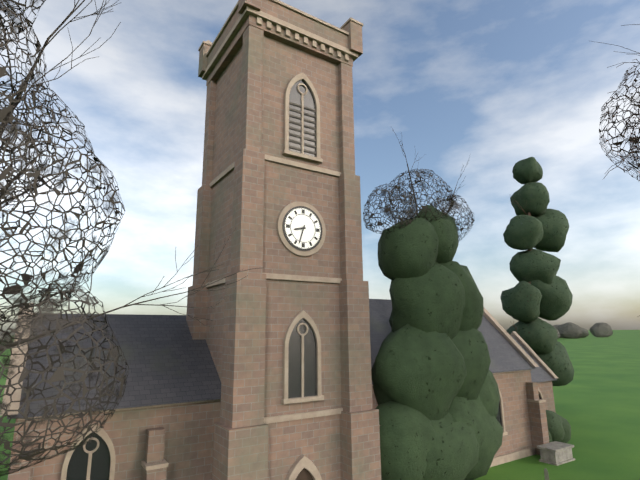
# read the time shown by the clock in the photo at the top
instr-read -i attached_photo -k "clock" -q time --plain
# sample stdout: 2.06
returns 8.33
